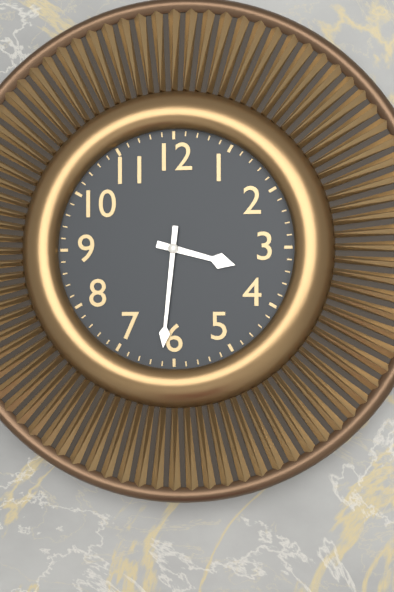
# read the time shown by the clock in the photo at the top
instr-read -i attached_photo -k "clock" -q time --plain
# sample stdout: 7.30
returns 3.31
